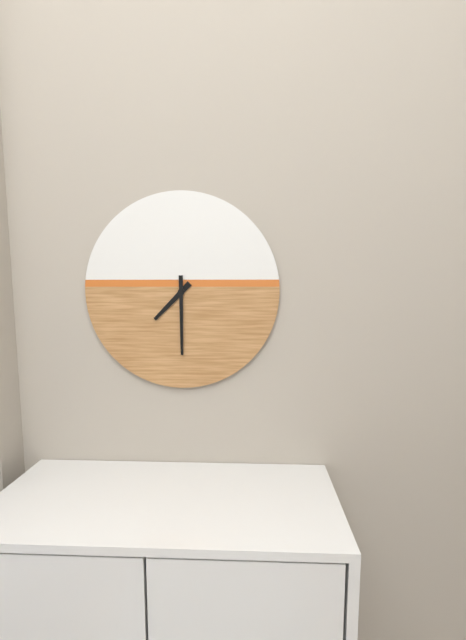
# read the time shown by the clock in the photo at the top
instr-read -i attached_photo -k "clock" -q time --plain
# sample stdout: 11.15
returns 7.30
